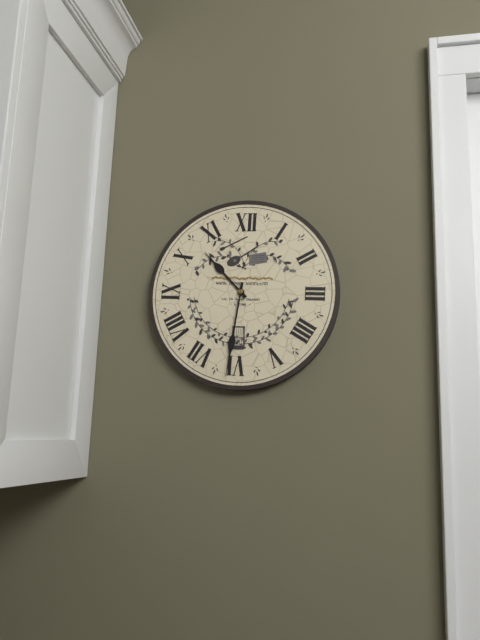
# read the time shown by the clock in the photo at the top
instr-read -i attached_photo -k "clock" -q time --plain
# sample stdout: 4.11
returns 10.31
